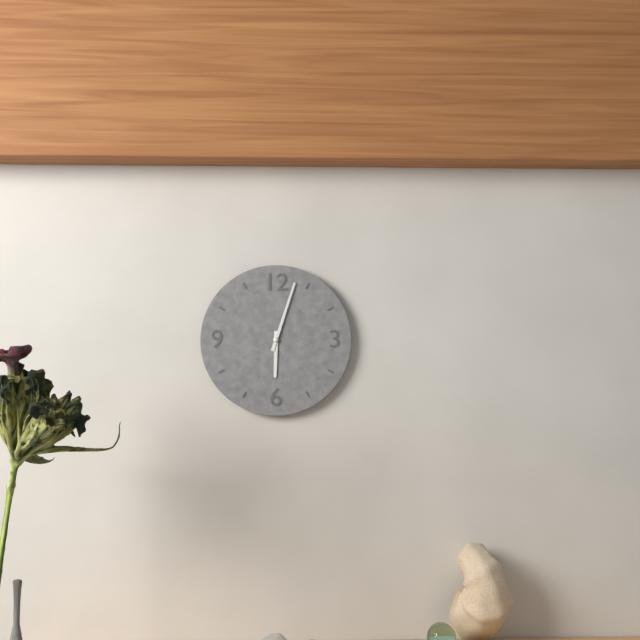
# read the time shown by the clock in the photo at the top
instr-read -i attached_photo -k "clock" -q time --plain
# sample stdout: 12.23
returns 6.03
